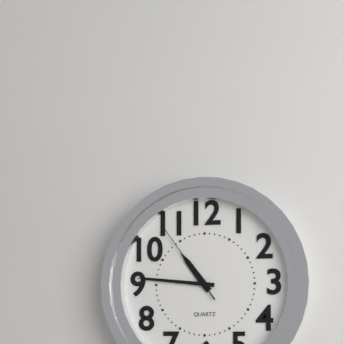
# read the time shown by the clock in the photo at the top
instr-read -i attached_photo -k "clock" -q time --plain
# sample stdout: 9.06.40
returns 10.46.54
